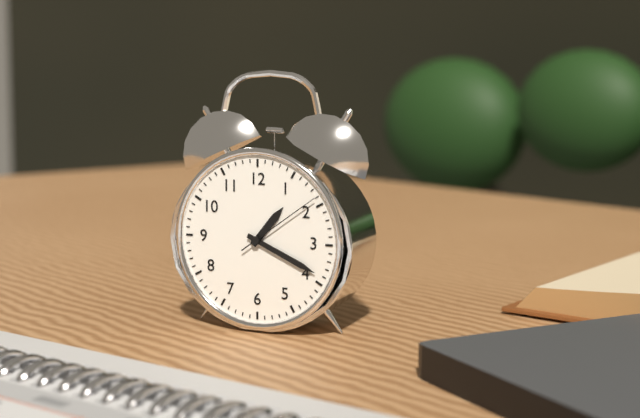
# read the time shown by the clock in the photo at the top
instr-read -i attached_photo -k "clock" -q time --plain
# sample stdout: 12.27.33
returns 1.19.09
